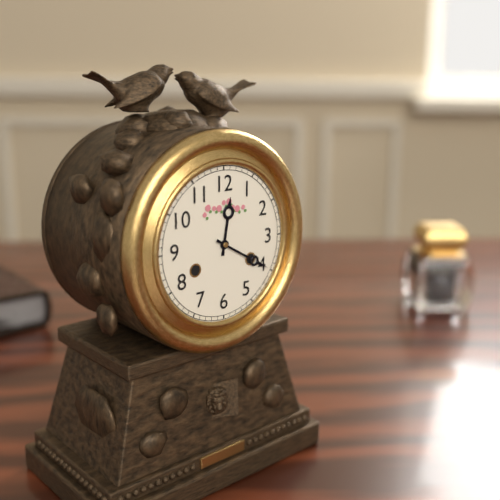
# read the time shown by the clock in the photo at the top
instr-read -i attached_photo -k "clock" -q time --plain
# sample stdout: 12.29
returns 12.20
